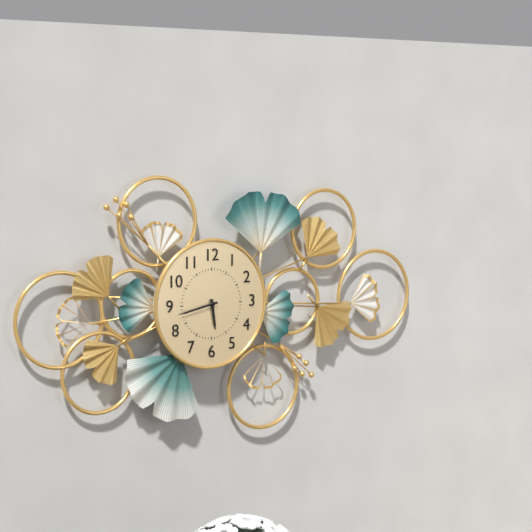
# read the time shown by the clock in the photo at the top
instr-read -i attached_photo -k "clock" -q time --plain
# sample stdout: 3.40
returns 5.43
